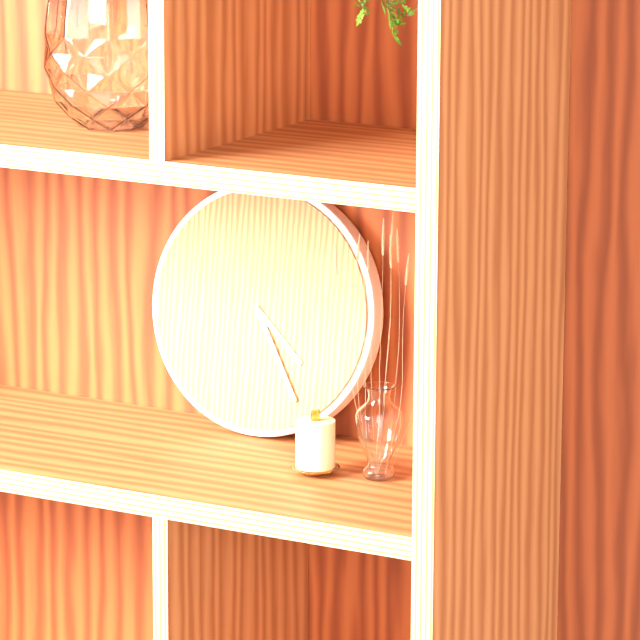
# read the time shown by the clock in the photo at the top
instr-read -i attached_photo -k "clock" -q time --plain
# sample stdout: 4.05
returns 4.25
